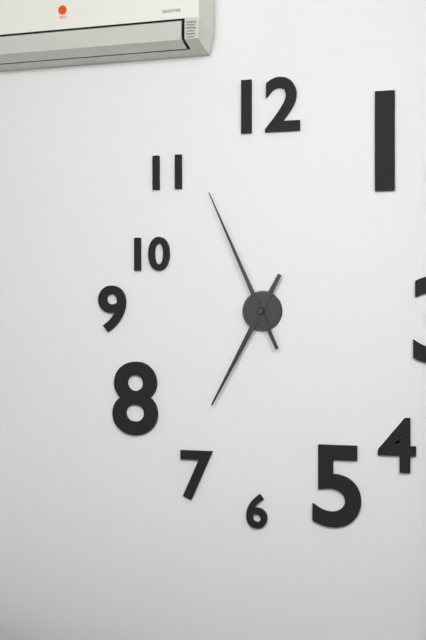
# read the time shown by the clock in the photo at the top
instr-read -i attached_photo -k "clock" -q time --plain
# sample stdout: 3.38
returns 6.56
